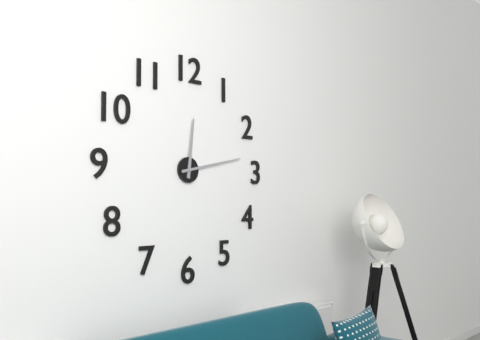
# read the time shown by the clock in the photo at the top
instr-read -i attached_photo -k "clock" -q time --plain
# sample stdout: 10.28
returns 12.13
